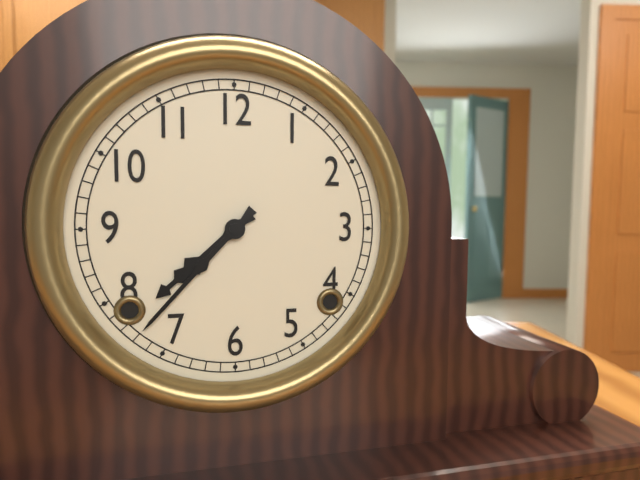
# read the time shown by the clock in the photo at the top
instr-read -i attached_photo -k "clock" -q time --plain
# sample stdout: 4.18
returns 7.37
